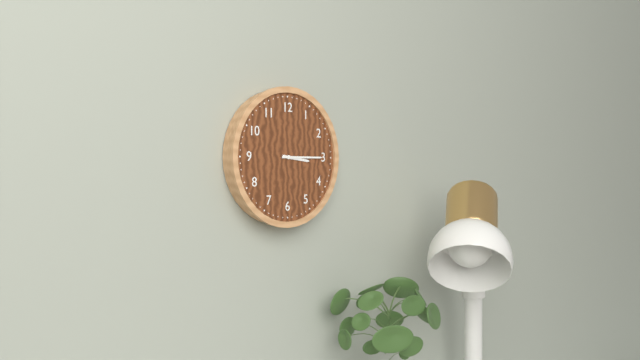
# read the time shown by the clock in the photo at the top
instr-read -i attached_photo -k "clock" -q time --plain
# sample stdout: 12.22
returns 3.15
